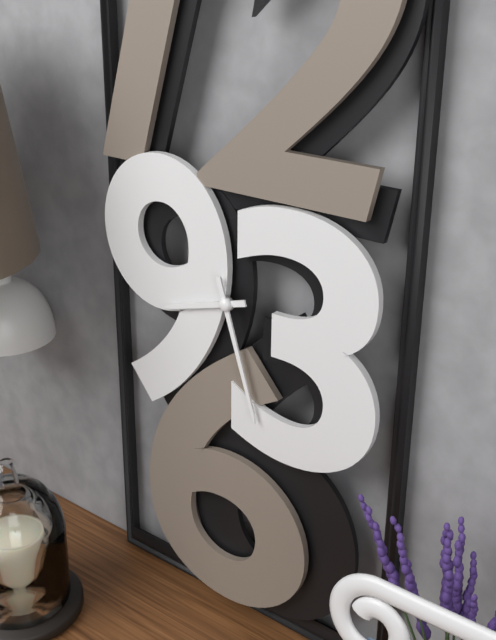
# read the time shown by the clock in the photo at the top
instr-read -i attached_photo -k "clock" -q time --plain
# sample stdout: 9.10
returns 8.27
